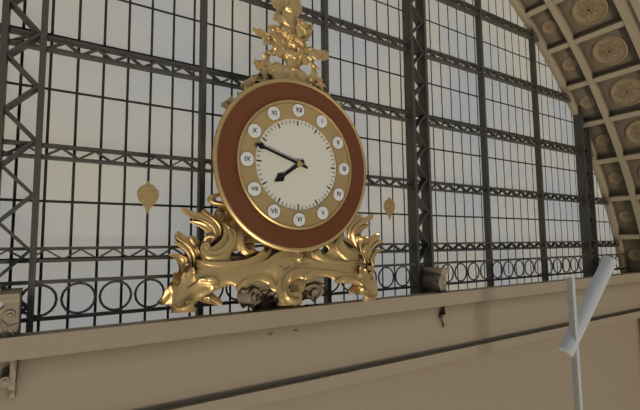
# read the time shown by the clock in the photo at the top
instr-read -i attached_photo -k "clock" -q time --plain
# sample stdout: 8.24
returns 7.48
